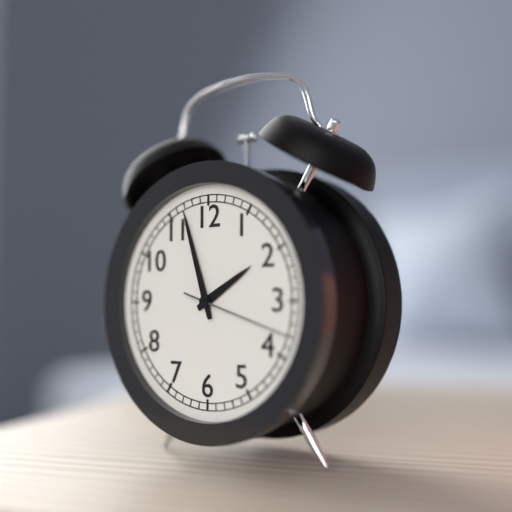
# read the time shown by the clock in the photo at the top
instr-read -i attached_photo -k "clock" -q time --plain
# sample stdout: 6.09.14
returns 1.57.18
